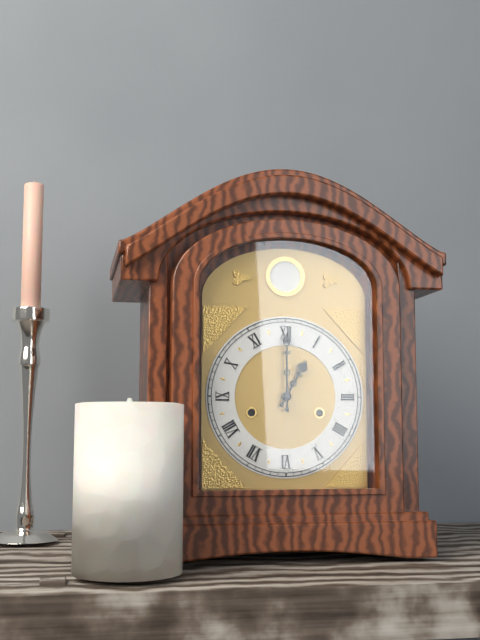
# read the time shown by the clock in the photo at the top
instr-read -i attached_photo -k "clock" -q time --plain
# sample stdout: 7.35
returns 1.00
